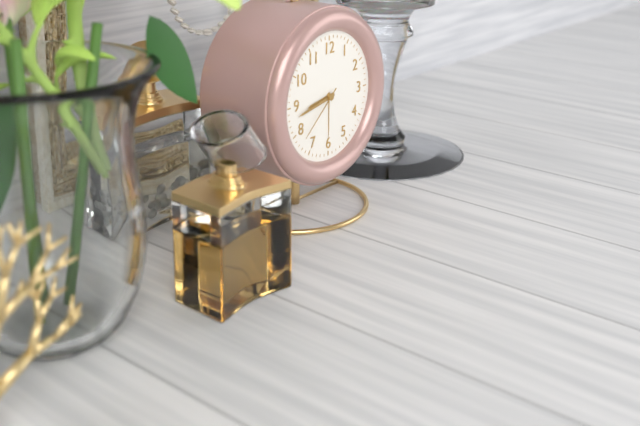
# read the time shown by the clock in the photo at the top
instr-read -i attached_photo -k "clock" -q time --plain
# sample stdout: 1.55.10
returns 8.43.38
